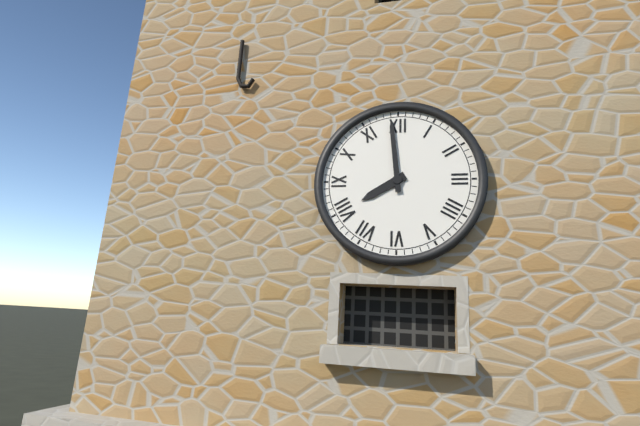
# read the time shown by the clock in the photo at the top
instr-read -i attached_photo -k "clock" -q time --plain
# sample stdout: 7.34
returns 7.59
